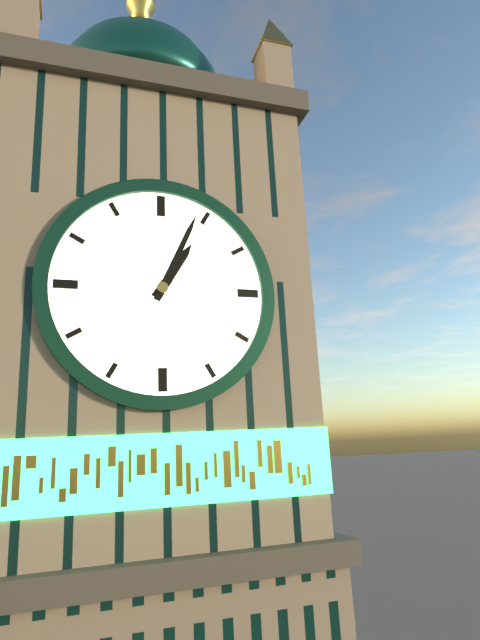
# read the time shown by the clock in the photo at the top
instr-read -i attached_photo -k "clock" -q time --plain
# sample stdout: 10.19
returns 1.04
